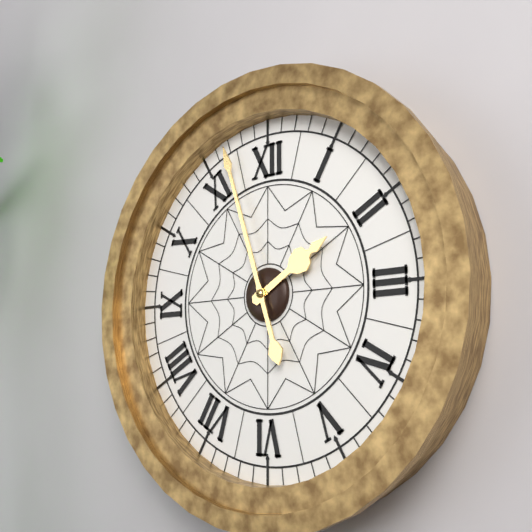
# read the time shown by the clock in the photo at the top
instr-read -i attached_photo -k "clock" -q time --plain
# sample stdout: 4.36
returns 1.57
